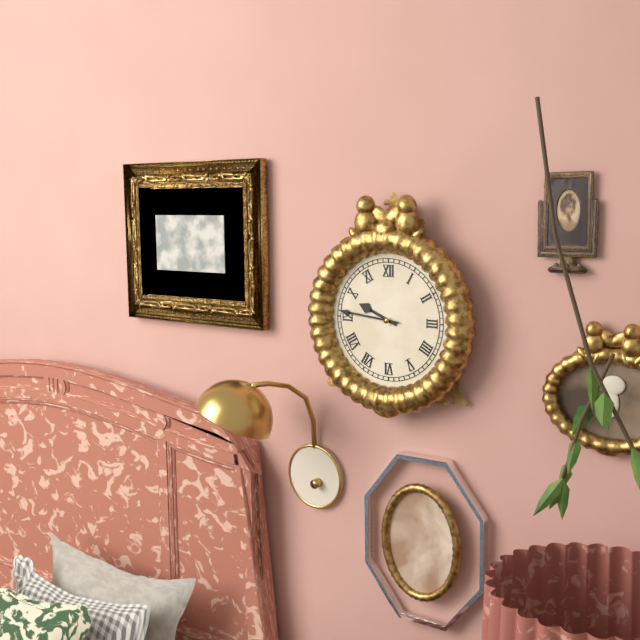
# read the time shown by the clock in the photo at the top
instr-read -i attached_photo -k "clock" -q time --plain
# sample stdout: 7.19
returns 9.46
